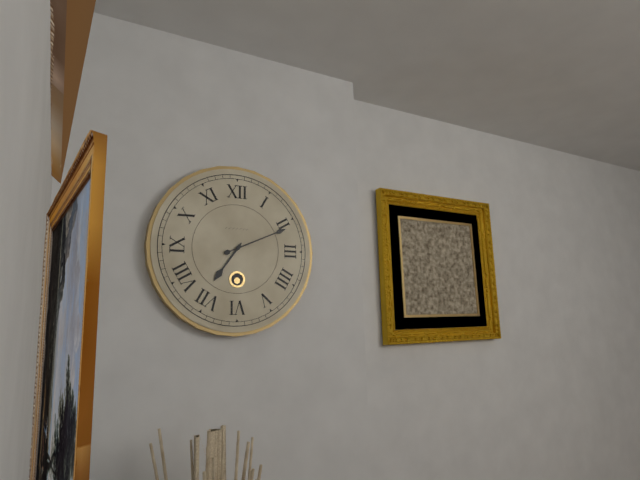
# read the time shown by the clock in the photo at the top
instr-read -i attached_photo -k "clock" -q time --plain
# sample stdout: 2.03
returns 7.11
